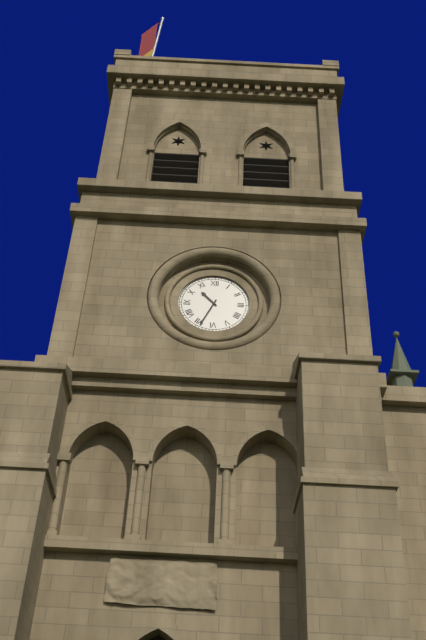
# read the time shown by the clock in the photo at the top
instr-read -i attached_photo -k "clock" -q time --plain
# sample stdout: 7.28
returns 10.34
